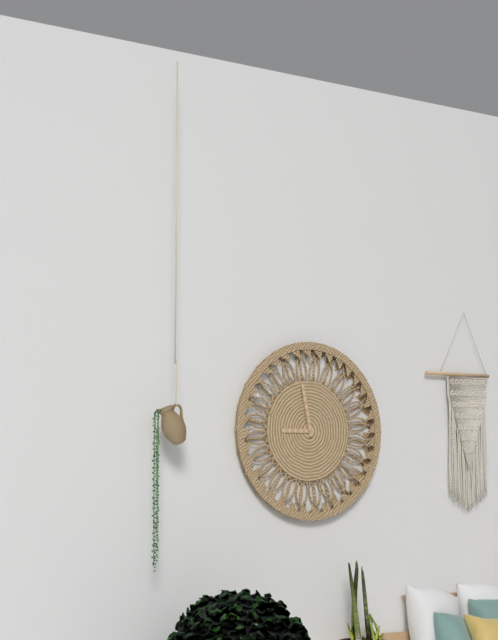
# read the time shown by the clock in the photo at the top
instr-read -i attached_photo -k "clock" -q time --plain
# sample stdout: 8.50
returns 8.58
